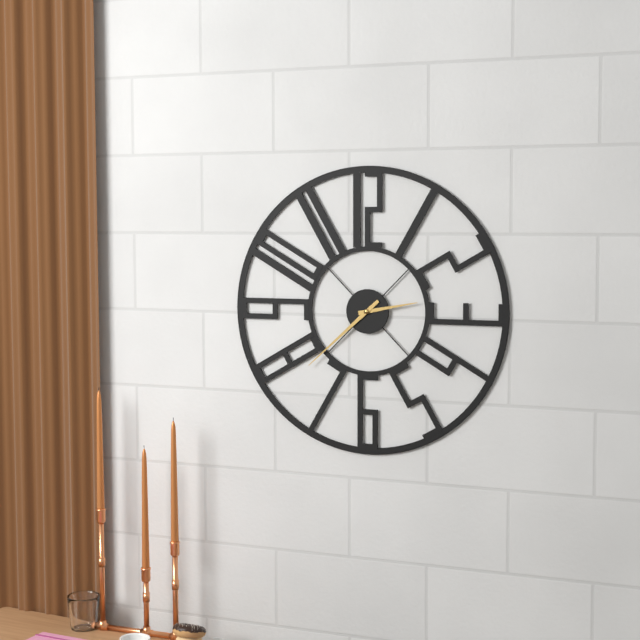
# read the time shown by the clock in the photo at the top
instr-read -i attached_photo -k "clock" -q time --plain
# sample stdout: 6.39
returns 2.38
